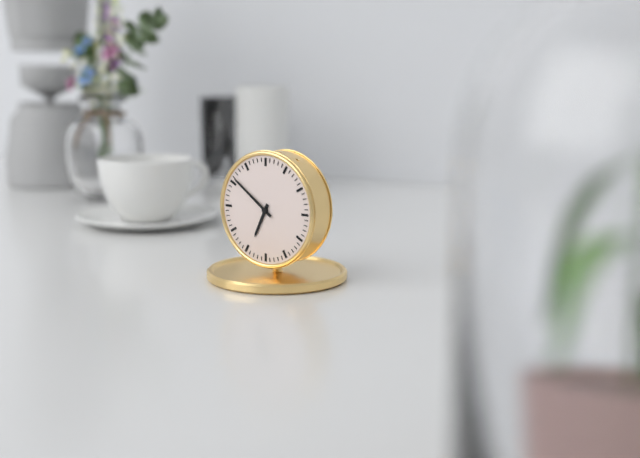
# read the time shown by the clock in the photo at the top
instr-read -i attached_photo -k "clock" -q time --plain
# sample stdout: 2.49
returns 6.51
